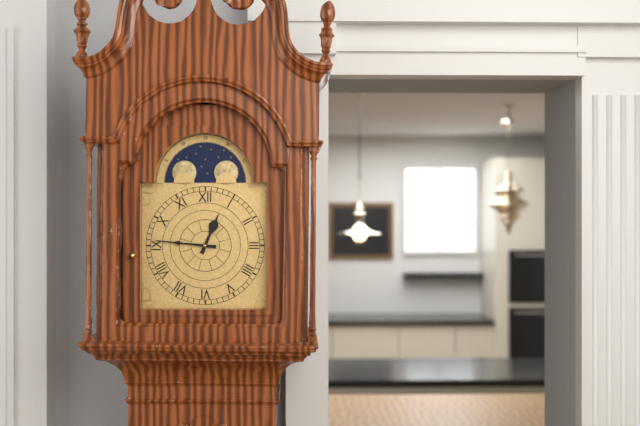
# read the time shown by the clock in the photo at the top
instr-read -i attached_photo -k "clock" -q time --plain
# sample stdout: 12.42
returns 12.46
